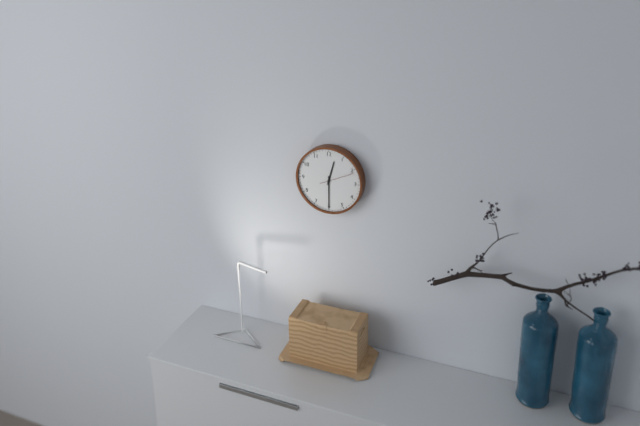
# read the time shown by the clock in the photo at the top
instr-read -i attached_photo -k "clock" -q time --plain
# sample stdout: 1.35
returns 12.30
